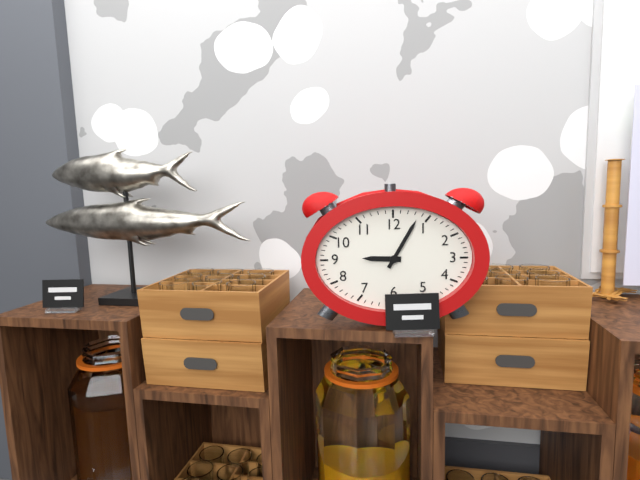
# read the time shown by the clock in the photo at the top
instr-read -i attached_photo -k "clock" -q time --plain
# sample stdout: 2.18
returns 9.05
